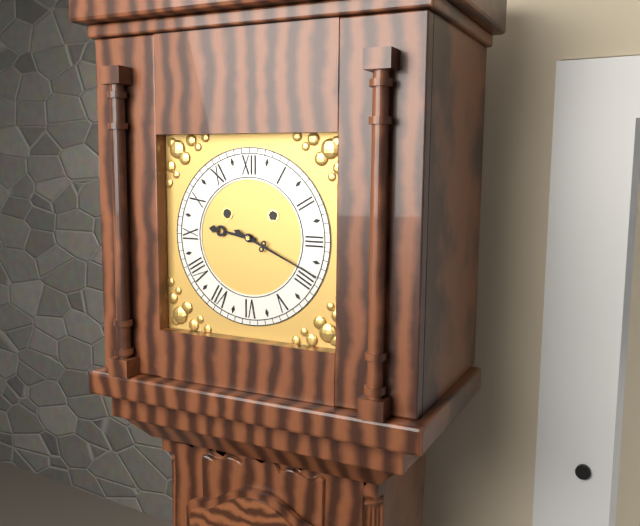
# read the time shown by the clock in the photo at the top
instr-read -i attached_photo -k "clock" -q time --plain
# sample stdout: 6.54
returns 9.19
